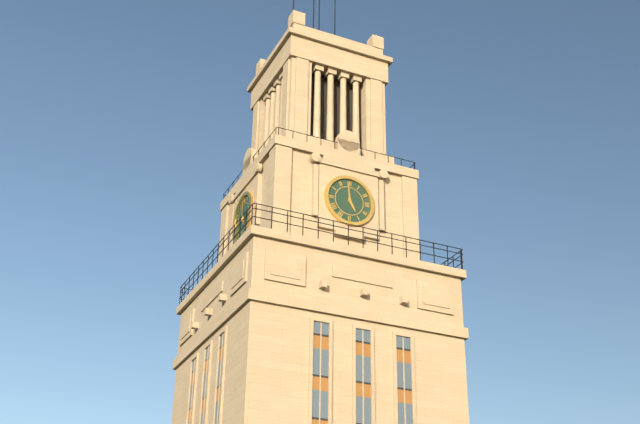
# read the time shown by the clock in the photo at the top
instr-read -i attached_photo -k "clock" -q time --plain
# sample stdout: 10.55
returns 4.59
